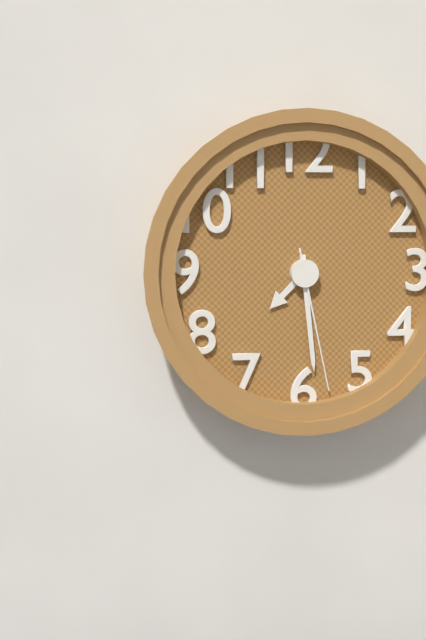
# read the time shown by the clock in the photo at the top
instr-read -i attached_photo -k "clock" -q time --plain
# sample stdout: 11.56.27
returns 7.29.28
